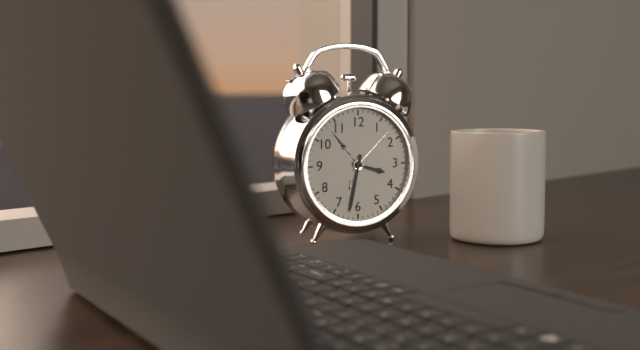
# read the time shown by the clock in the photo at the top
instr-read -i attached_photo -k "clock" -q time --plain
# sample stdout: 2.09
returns 3.32
